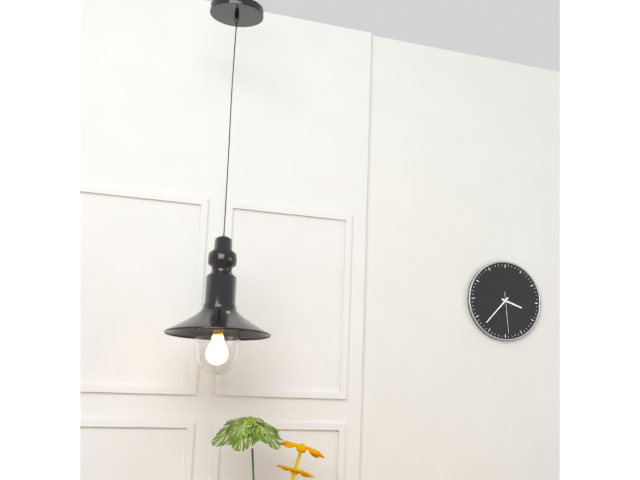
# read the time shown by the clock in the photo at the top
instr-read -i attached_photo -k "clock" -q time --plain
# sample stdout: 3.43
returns 3.37
